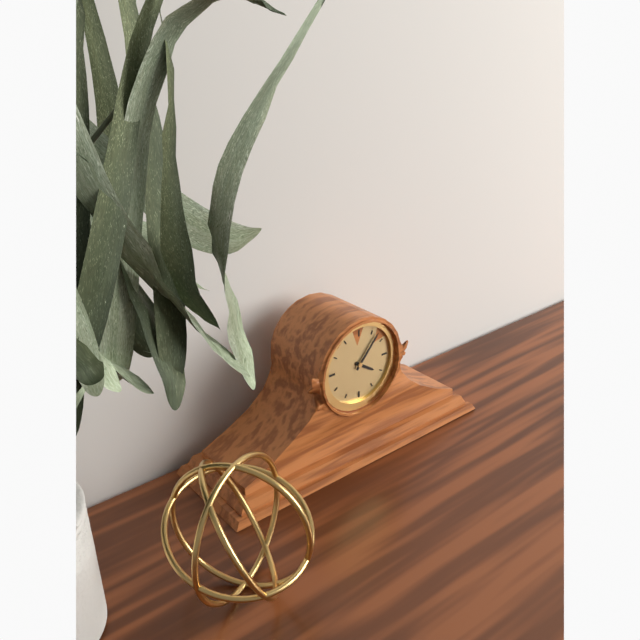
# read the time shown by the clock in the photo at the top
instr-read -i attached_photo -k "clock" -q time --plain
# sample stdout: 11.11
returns 4.07
